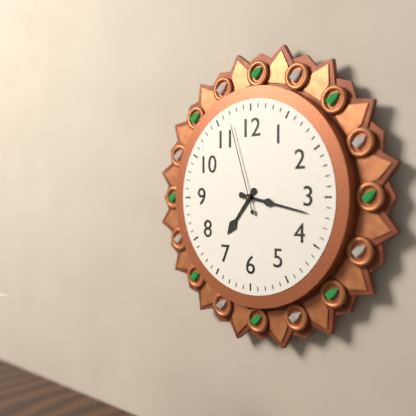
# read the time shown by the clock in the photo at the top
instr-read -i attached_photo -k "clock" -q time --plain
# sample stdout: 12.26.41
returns 7.17.57
